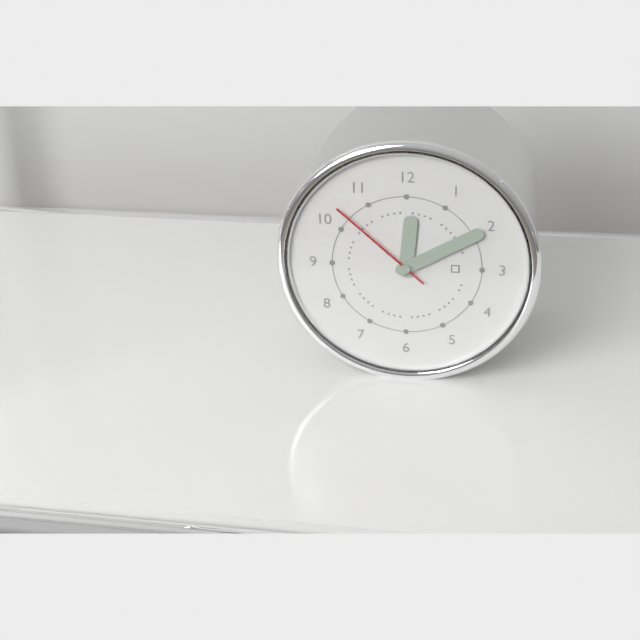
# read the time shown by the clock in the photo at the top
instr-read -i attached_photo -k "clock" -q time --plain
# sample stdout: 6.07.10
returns 12.10.52
